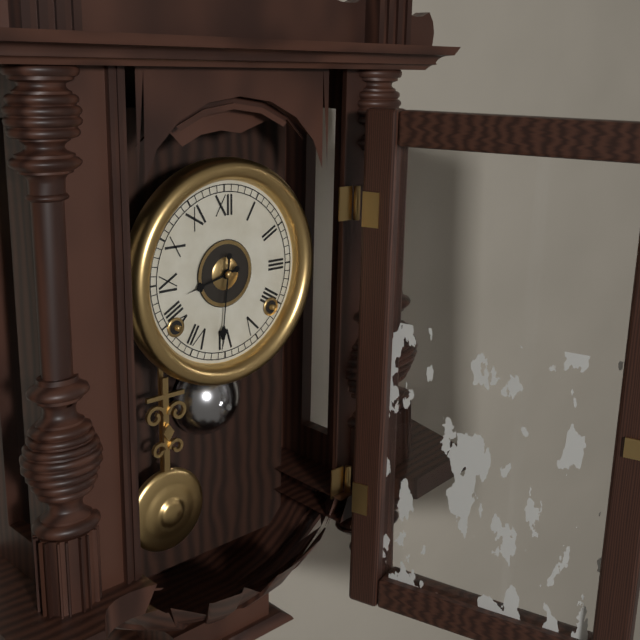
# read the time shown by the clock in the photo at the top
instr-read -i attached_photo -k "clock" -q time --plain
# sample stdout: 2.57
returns 8.31
